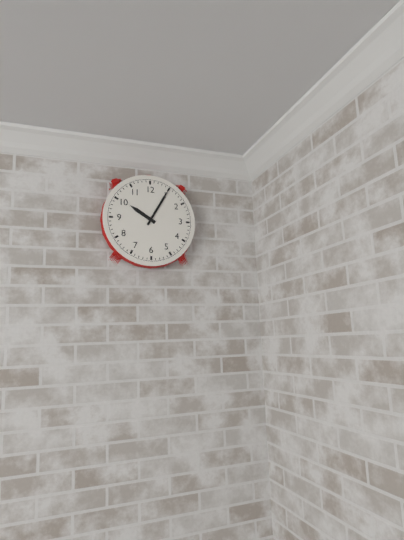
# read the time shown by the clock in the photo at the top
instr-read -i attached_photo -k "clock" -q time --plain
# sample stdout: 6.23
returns 10.05
